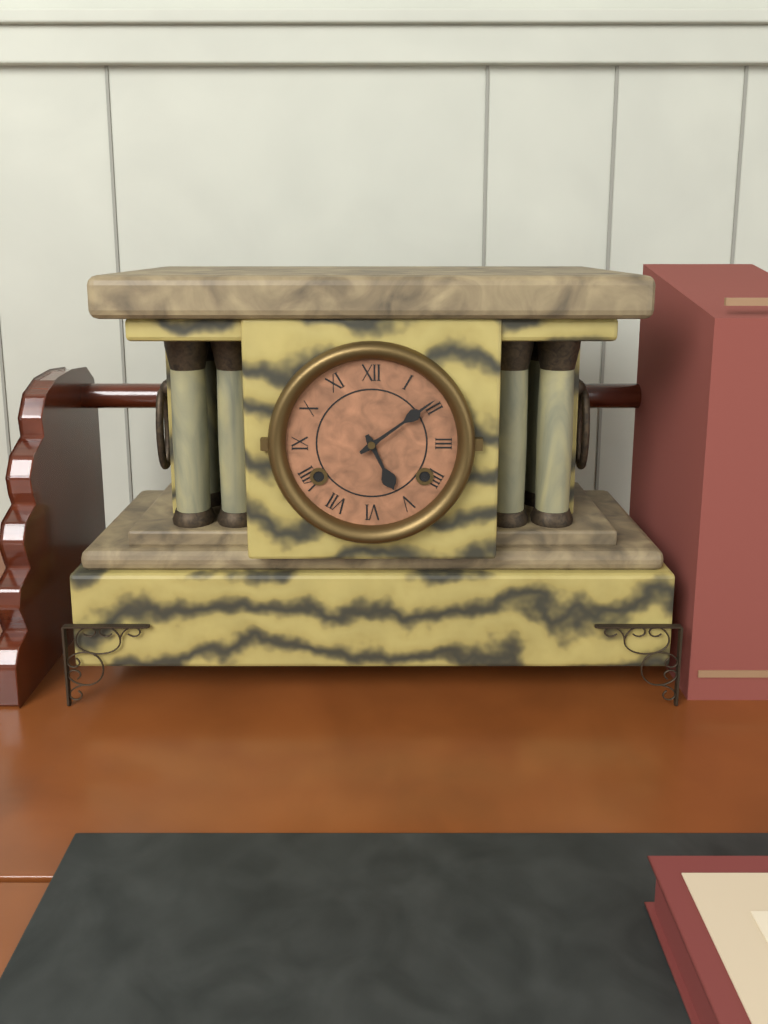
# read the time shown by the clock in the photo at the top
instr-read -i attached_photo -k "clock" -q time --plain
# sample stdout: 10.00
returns 5.09
